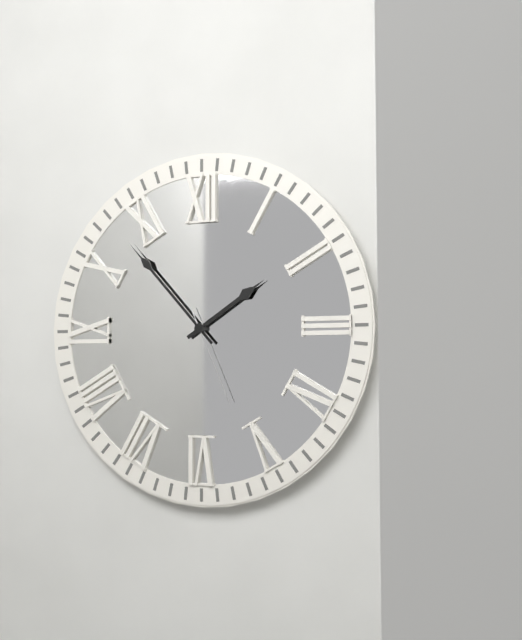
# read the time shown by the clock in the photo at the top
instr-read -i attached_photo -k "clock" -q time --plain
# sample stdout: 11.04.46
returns 1.53.26
